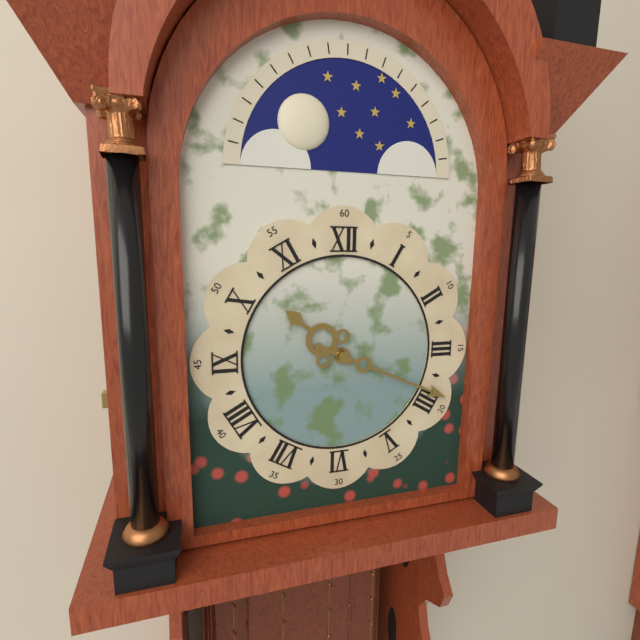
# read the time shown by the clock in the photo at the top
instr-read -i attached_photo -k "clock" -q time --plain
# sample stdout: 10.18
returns 10.19
